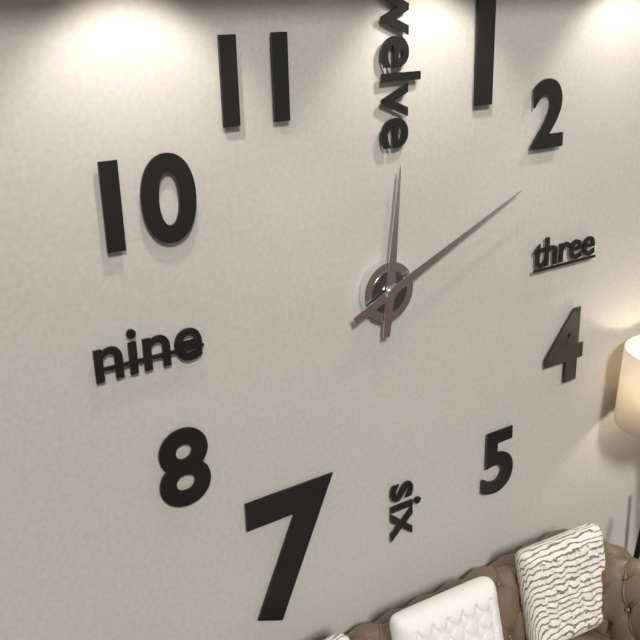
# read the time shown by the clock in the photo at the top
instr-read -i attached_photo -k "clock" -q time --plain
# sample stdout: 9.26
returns 12.11
